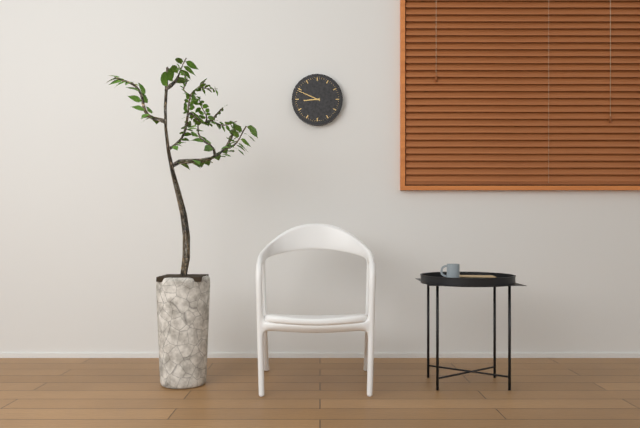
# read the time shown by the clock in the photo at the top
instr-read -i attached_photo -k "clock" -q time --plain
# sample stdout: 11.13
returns 8.49
